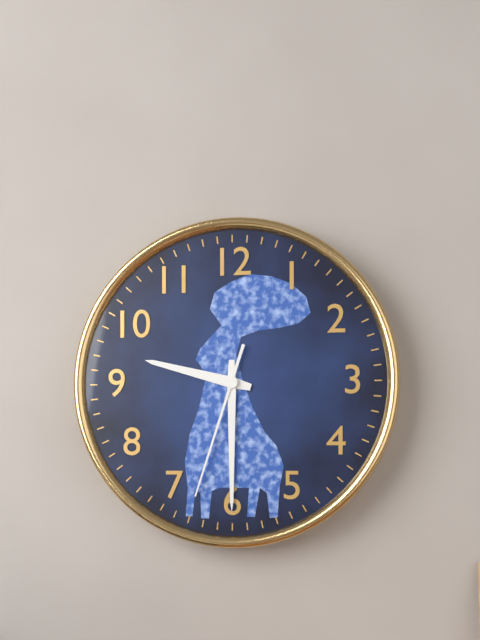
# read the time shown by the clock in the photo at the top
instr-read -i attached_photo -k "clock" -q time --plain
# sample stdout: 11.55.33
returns 9.30.33
